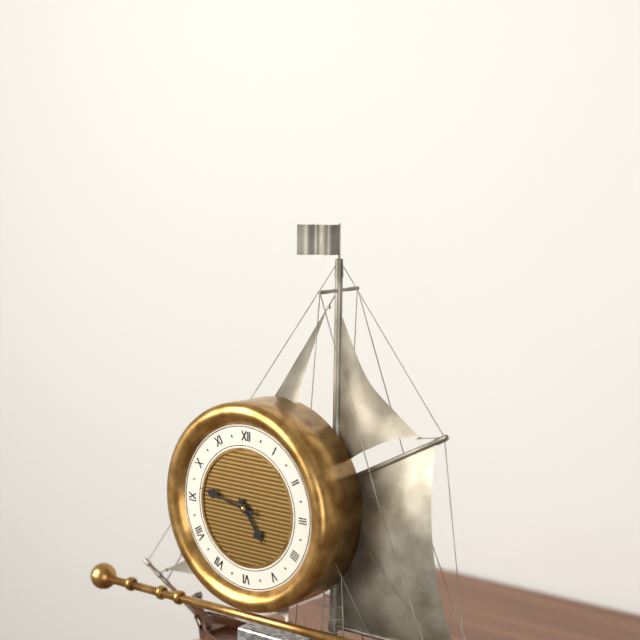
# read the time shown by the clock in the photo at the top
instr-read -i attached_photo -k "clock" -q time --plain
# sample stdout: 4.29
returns 4.47
